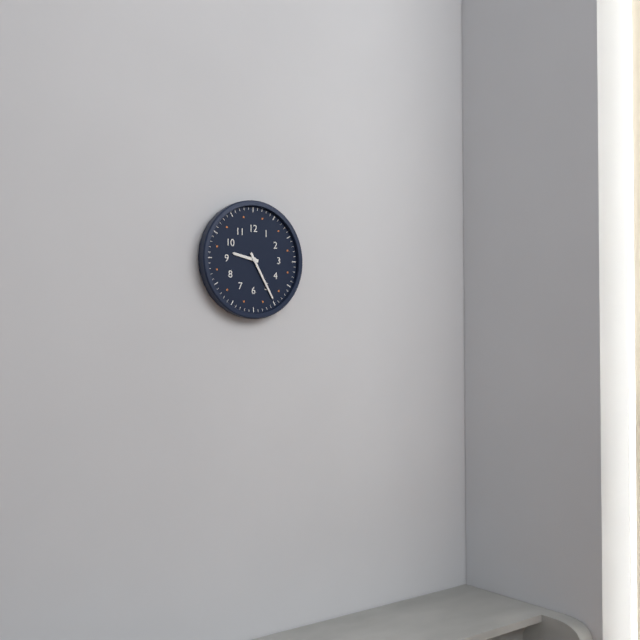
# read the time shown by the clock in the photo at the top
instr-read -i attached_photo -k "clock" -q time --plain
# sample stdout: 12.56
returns 9.25
